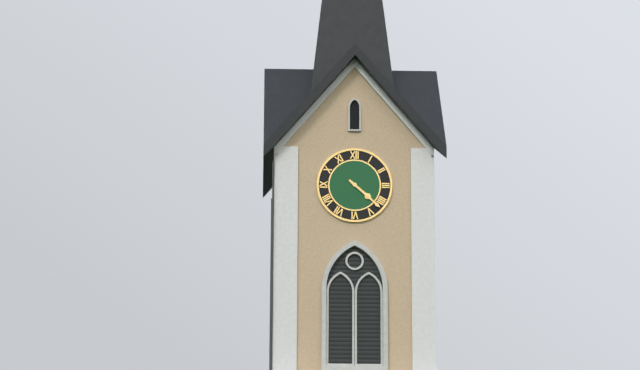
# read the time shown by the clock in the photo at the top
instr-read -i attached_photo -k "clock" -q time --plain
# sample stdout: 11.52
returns 4.22
